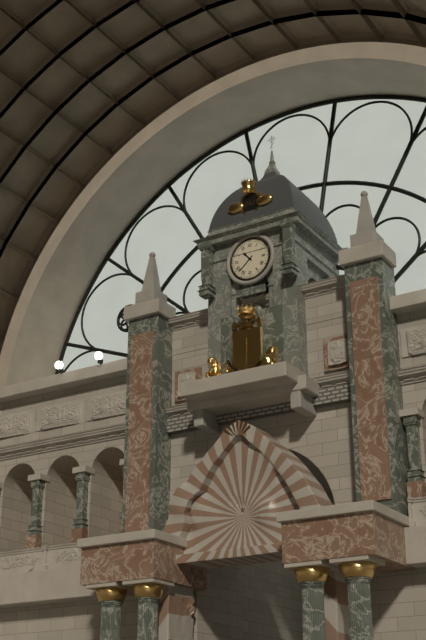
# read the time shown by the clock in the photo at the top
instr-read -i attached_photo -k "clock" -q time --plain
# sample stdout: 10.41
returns 10.38
